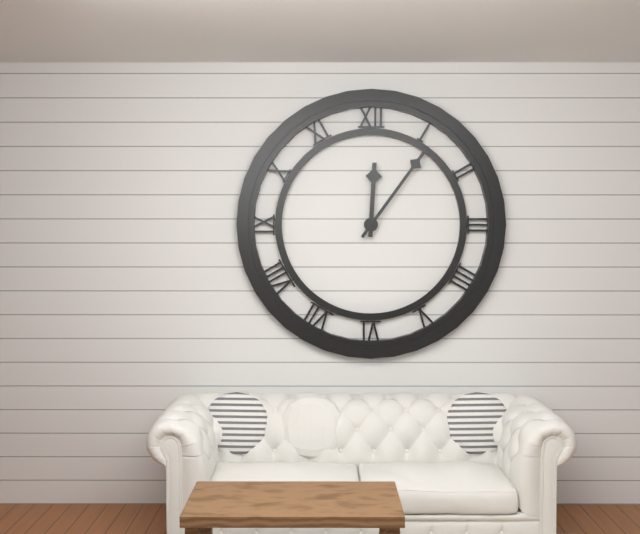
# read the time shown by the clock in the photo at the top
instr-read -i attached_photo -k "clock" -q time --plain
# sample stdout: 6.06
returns 12.06
